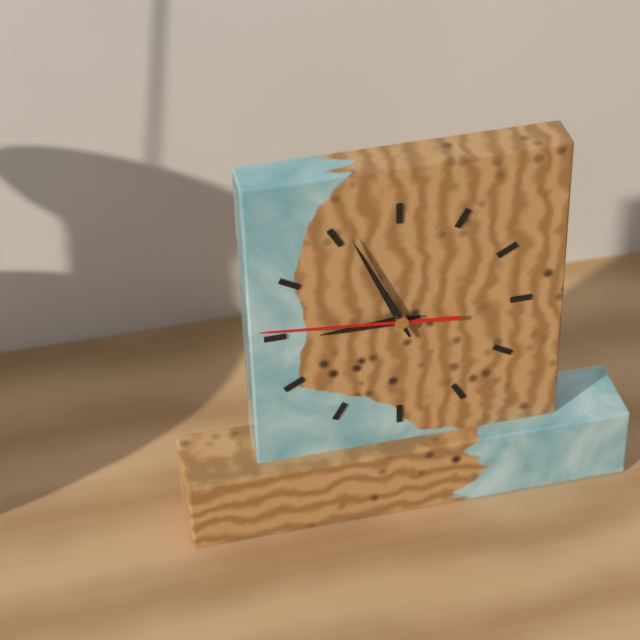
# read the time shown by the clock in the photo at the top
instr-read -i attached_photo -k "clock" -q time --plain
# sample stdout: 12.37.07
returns 8.56.46
